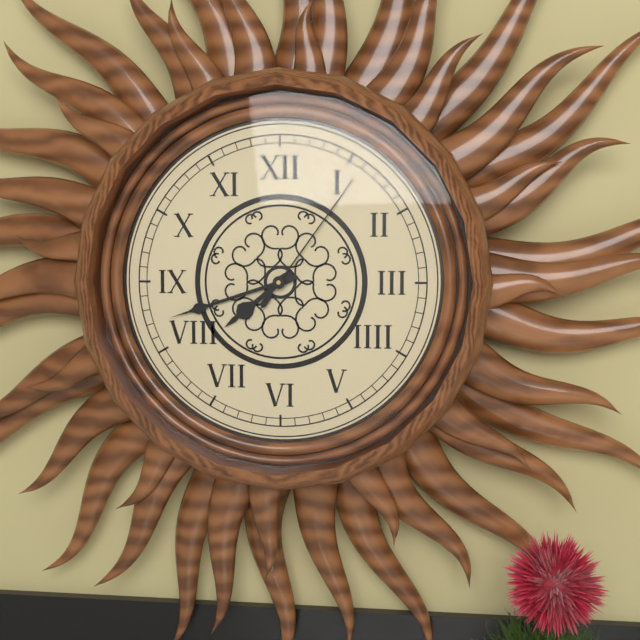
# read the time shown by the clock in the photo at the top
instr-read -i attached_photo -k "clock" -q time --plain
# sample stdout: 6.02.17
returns 7.42.06
